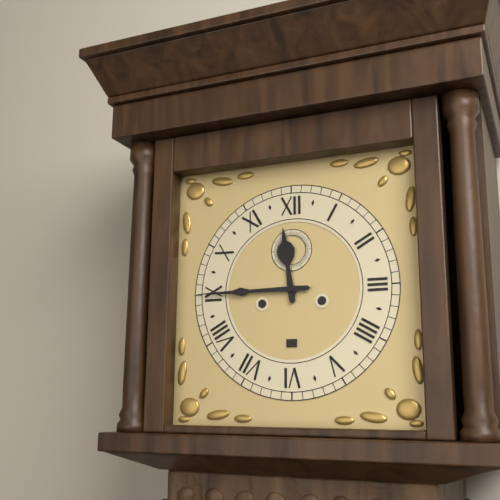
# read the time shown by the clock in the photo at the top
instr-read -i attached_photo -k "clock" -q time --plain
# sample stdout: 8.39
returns 11.45
